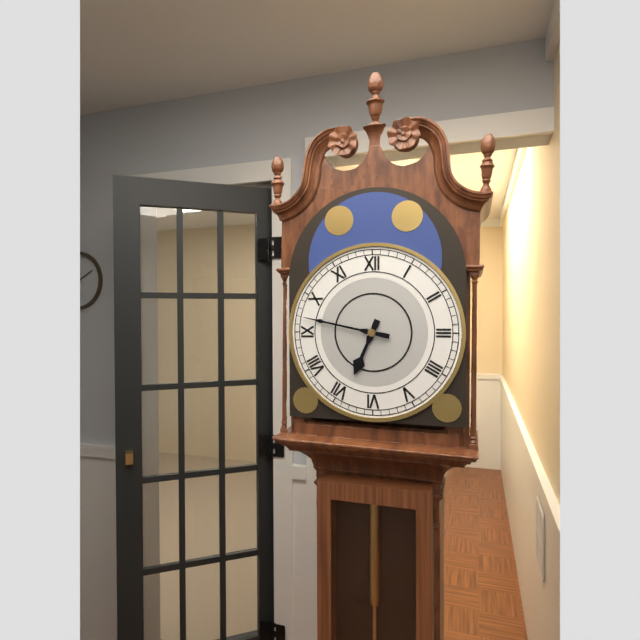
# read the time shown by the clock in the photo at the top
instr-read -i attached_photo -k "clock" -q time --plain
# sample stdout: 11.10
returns 6.47
